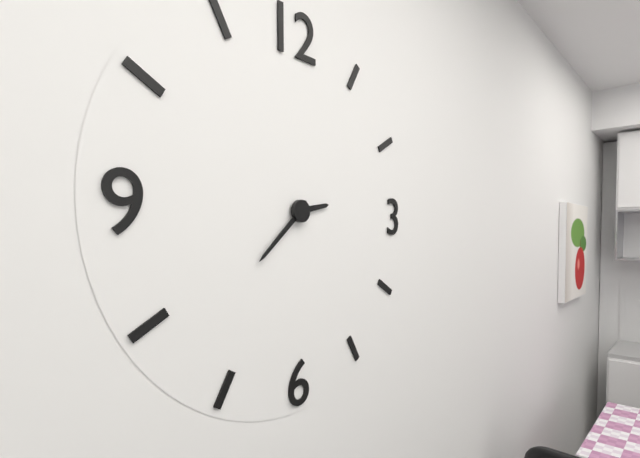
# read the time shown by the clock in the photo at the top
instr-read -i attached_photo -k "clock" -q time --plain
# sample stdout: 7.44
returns 2.38
